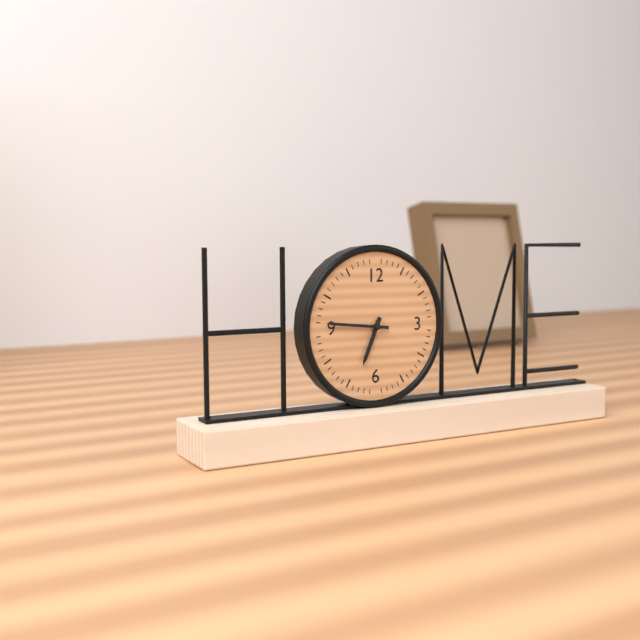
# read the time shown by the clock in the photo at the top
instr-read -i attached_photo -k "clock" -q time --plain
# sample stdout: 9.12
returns 6.46
